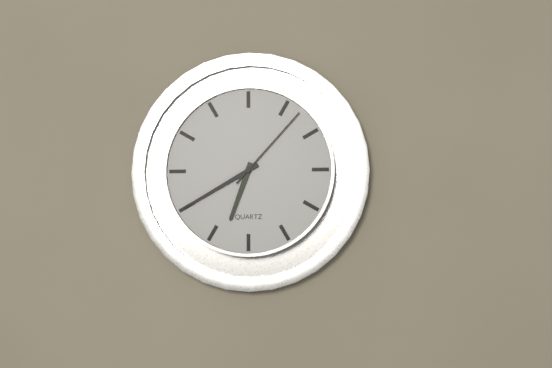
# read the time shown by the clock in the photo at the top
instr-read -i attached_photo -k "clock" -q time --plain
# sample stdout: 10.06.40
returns 6.40.07
